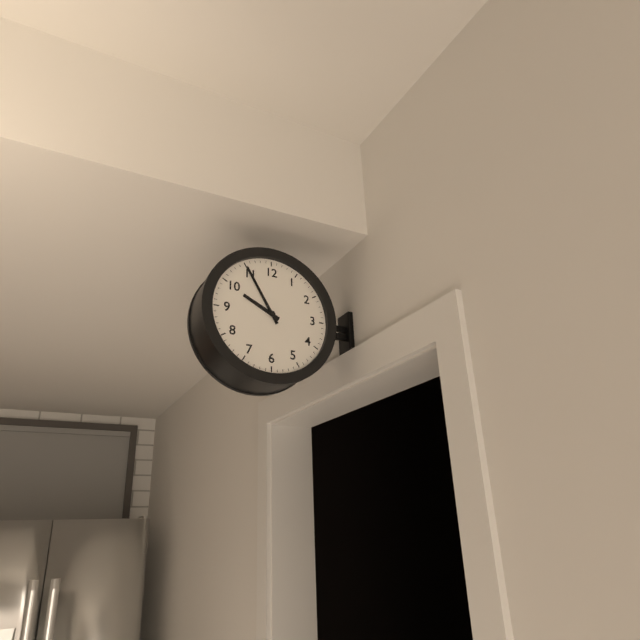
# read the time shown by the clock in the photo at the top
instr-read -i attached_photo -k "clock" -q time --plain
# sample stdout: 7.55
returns 9.55
